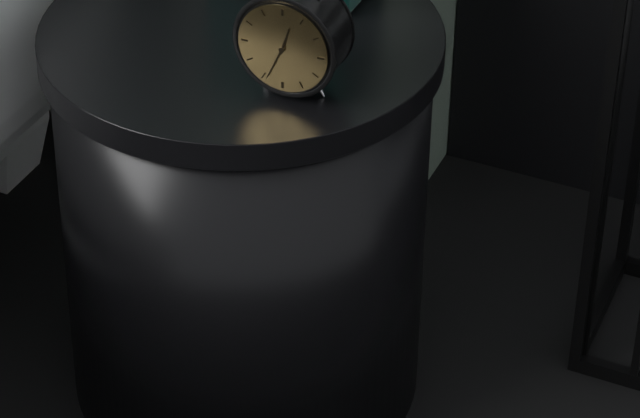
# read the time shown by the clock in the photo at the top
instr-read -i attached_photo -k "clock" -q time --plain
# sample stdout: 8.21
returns 12.34
